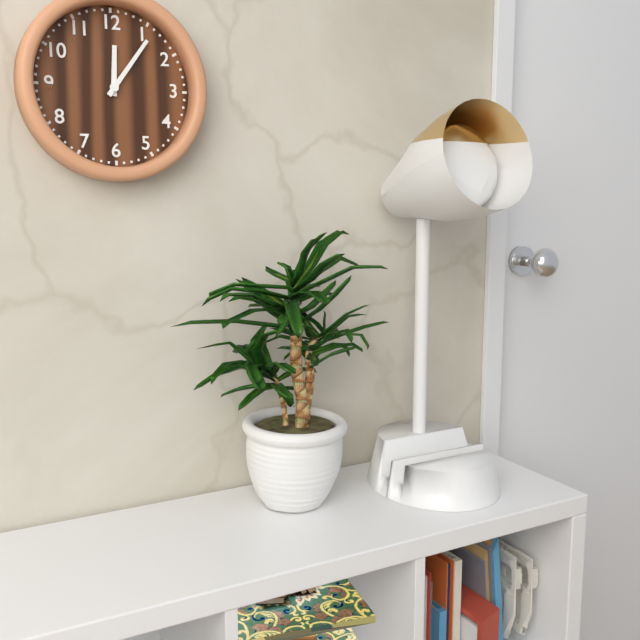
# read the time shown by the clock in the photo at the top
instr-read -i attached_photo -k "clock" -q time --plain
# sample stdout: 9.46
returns 12.06
